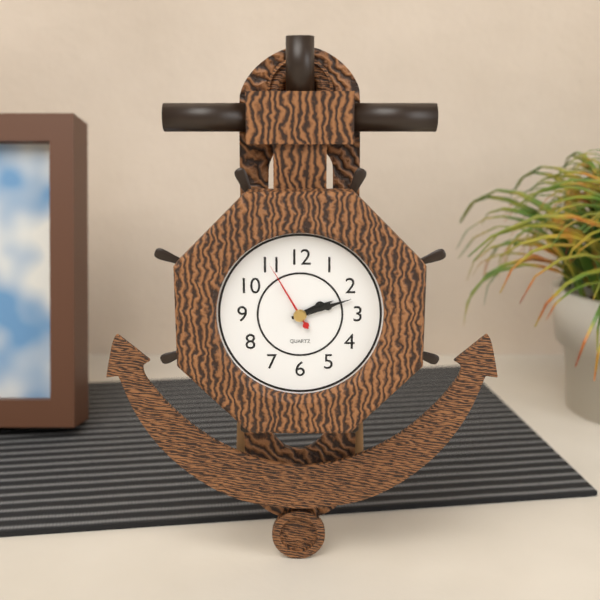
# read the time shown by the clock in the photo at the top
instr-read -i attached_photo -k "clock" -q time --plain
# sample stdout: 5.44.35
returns 2.12.55
